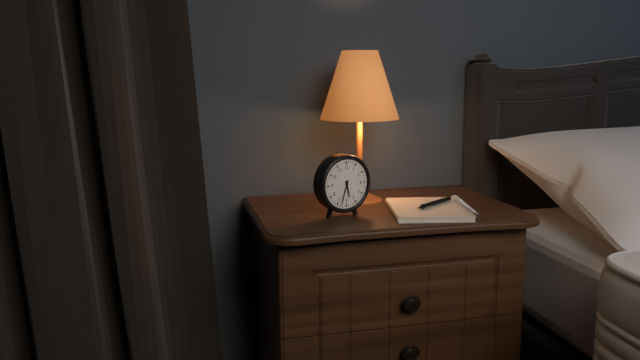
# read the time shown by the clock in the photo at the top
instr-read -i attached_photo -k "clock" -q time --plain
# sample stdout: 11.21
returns 5.33
